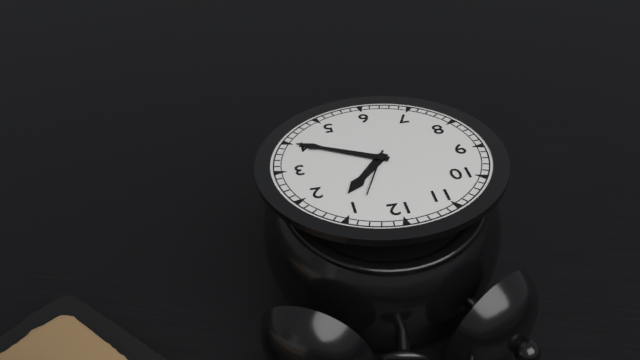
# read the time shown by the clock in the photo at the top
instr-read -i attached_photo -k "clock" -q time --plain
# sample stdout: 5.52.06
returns 1.20.04
